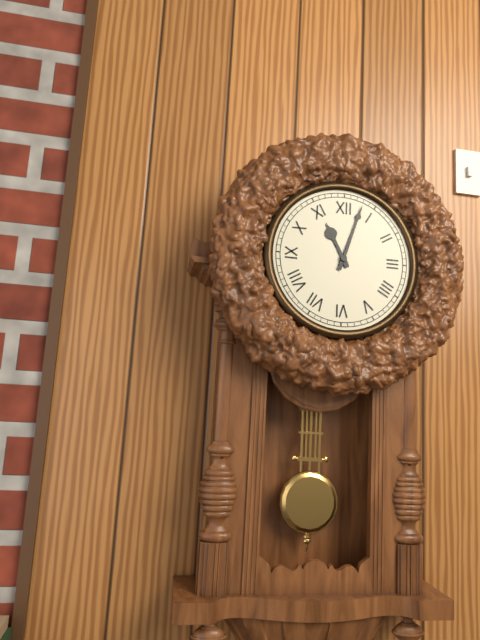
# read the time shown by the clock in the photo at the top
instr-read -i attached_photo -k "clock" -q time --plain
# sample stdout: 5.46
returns 11.03
